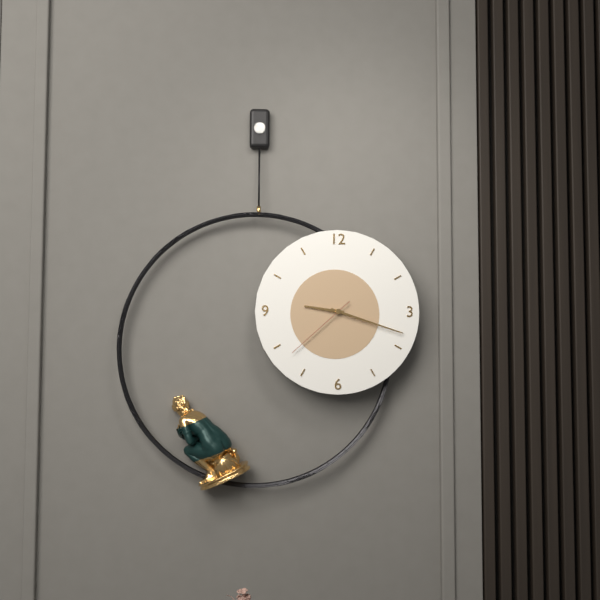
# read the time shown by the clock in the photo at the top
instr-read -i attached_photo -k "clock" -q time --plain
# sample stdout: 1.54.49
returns 9.18.38
